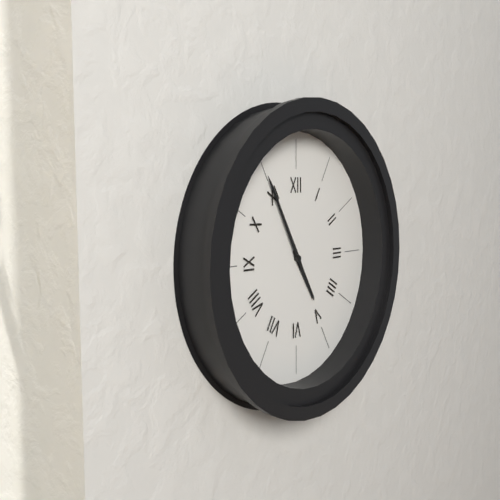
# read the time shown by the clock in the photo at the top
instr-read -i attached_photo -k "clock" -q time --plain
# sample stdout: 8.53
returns 4.55
